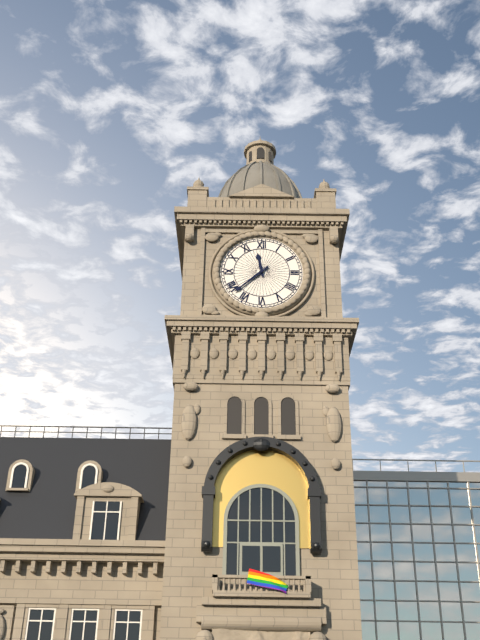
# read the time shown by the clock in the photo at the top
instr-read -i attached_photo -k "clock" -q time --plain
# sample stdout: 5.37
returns 11.38
